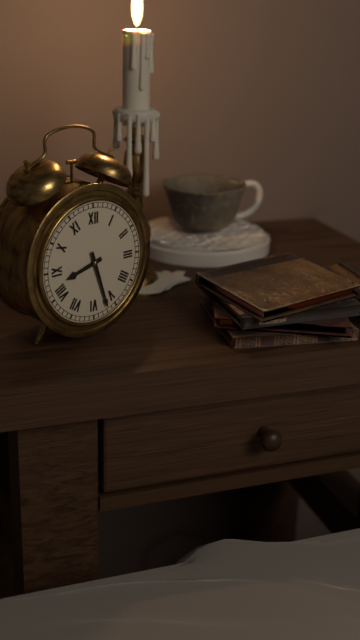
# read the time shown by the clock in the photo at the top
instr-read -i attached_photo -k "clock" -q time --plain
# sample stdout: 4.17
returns 8.27
